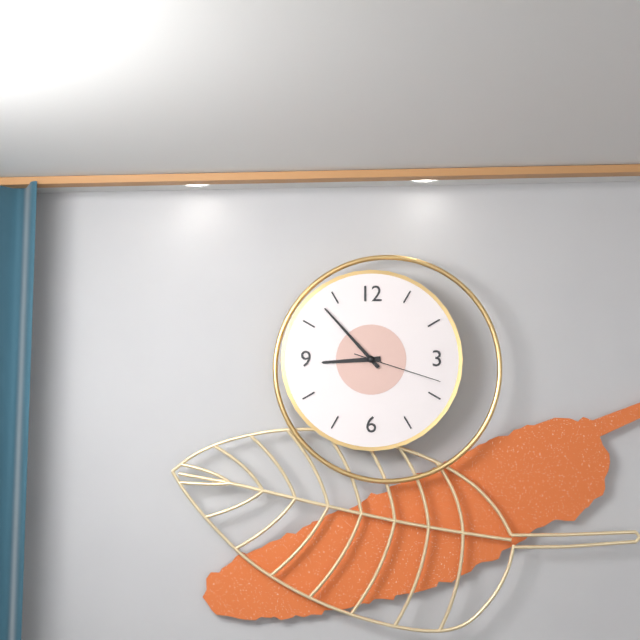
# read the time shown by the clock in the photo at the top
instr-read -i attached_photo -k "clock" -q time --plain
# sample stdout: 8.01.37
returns 8.53.18
